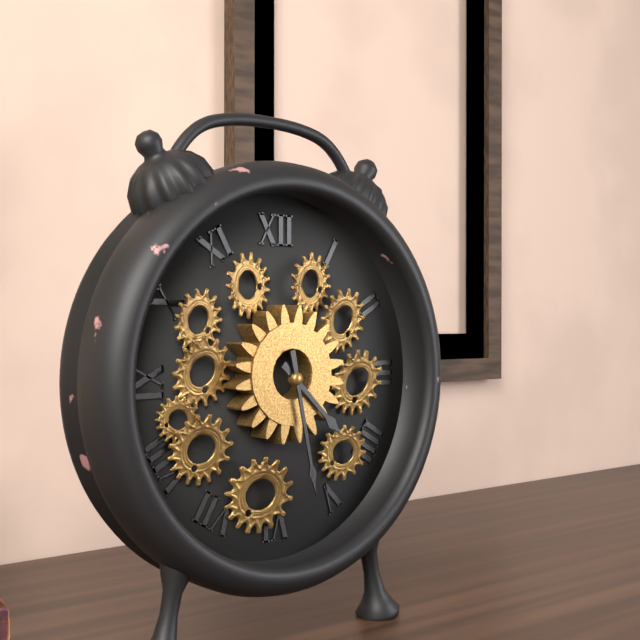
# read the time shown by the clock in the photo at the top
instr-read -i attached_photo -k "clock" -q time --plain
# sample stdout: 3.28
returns 4.28
